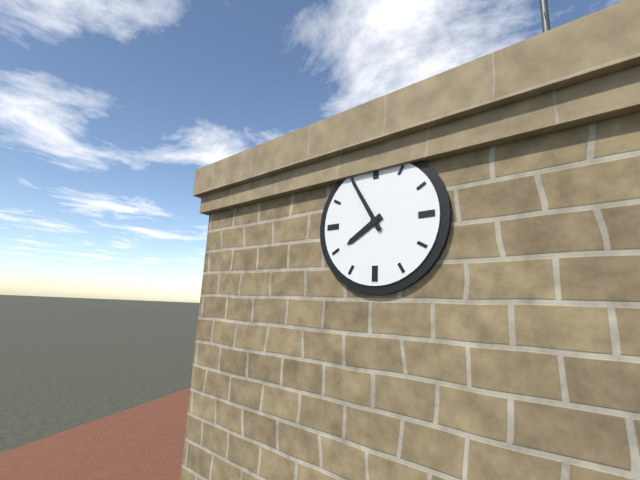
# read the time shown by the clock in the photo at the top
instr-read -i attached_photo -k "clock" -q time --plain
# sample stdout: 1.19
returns 7.55
